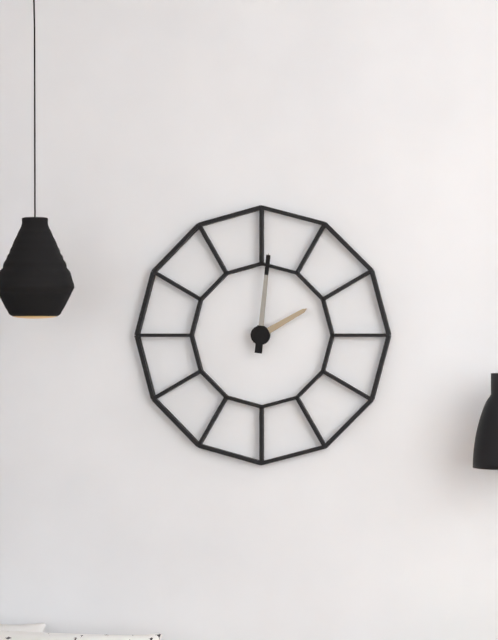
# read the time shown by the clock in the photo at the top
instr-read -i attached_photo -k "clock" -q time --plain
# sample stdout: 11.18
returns 2.01
